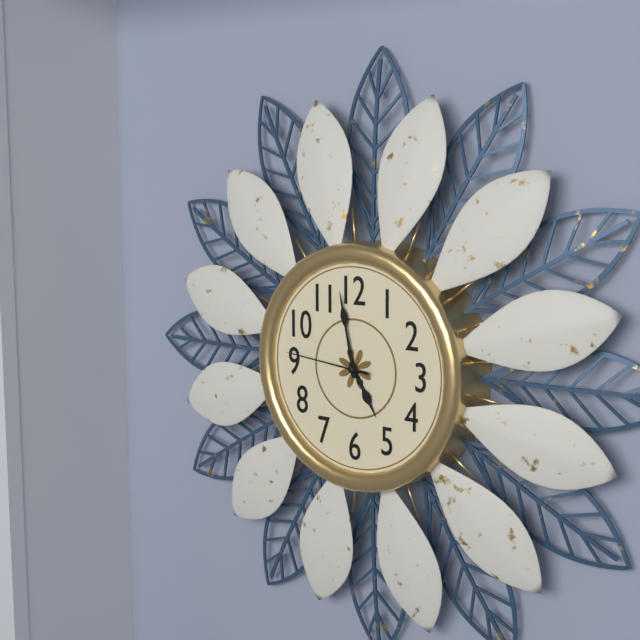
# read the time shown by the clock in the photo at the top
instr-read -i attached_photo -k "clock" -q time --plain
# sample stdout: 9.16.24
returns 4.58.46
